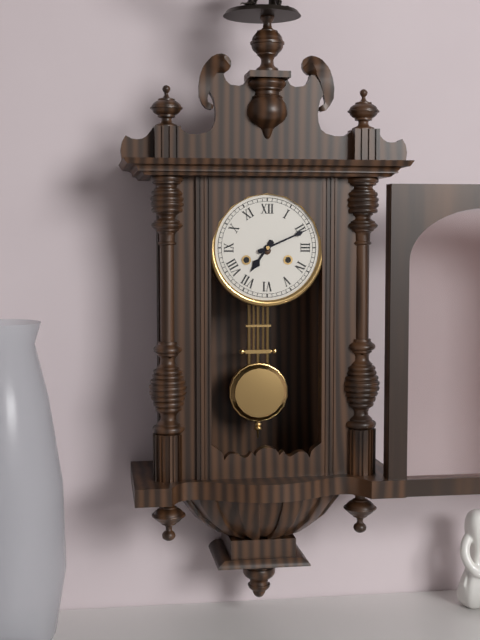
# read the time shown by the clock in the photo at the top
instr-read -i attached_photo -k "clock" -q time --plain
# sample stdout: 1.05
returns 7.11
